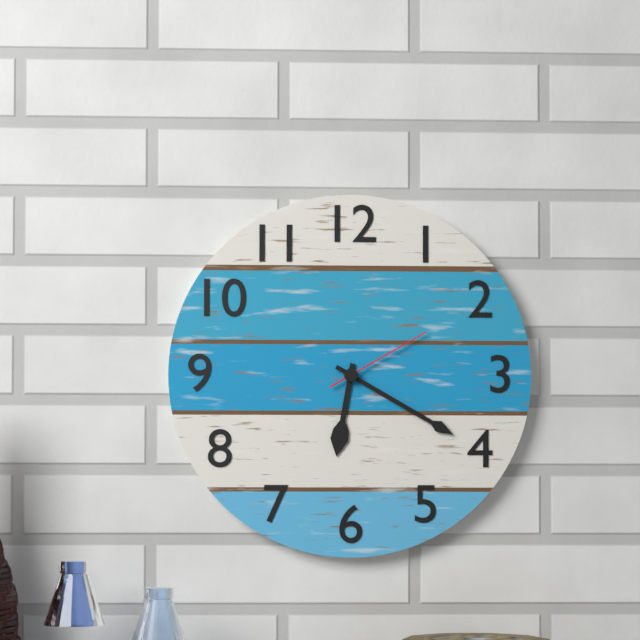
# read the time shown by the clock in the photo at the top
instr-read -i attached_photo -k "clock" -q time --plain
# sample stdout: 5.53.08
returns 6.20.10
